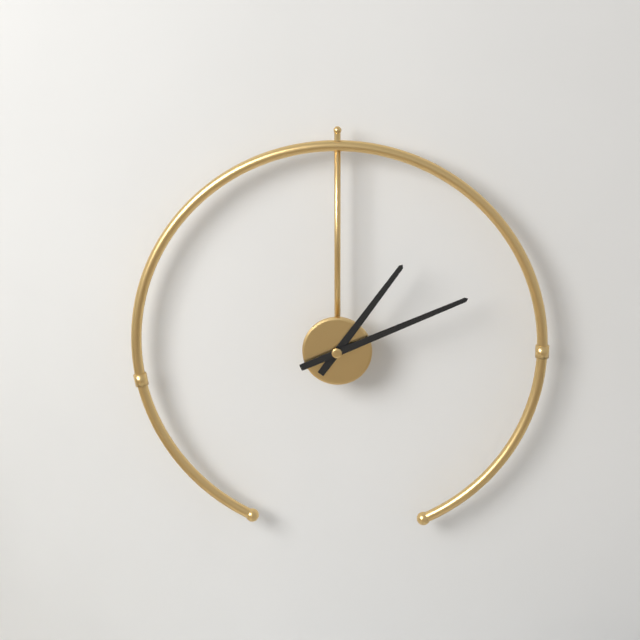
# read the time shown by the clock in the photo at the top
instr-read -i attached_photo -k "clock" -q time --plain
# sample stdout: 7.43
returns 1.11
